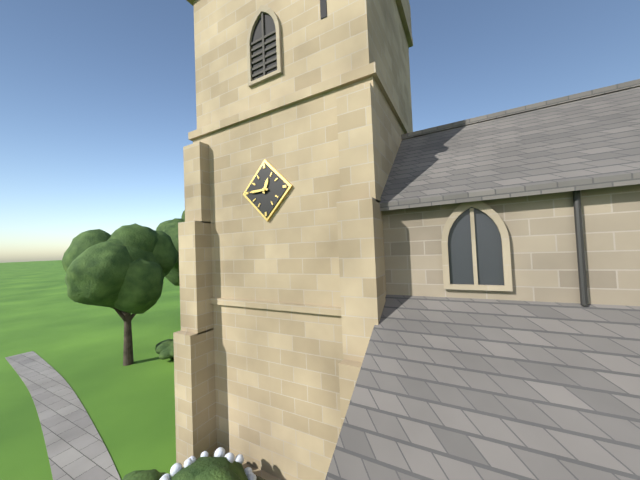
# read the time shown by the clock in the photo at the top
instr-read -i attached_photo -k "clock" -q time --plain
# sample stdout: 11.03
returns 12.45
